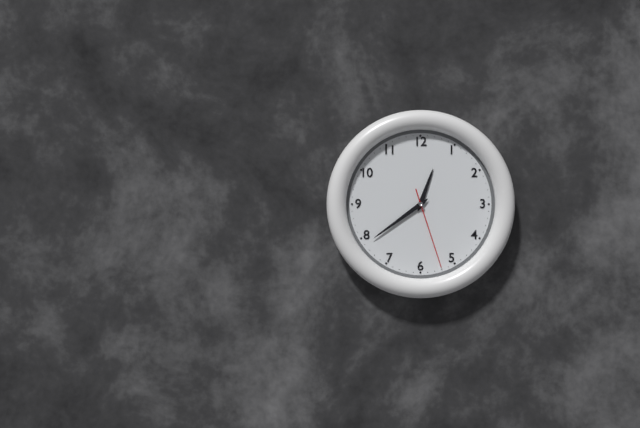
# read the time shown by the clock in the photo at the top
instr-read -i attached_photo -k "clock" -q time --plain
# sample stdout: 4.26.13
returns 12.39.27
